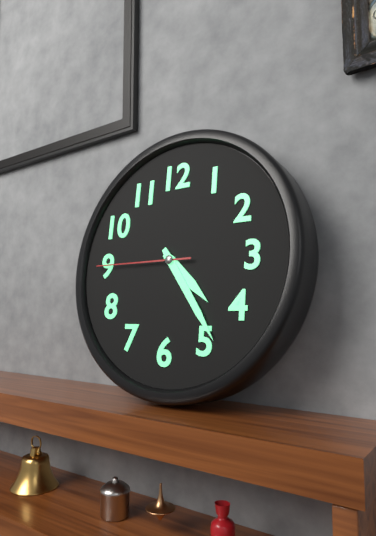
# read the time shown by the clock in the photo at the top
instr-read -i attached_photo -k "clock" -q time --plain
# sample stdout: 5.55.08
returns 4.24.45
